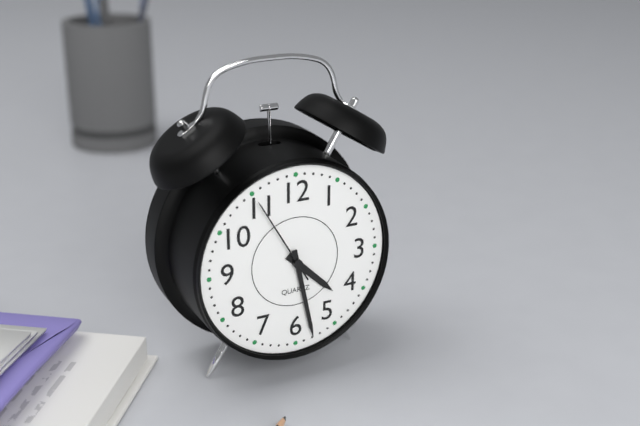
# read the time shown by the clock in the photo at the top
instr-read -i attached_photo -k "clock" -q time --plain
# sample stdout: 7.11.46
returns 4.28.55
